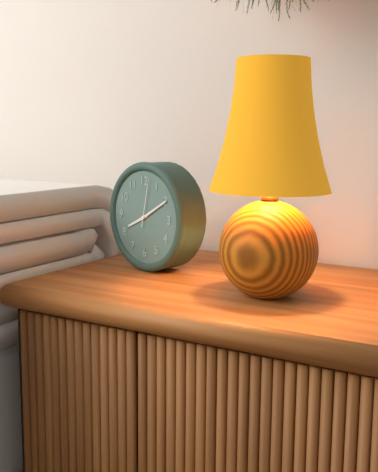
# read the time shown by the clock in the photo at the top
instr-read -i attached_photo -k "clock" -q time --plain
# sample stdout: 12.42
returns 8.10
